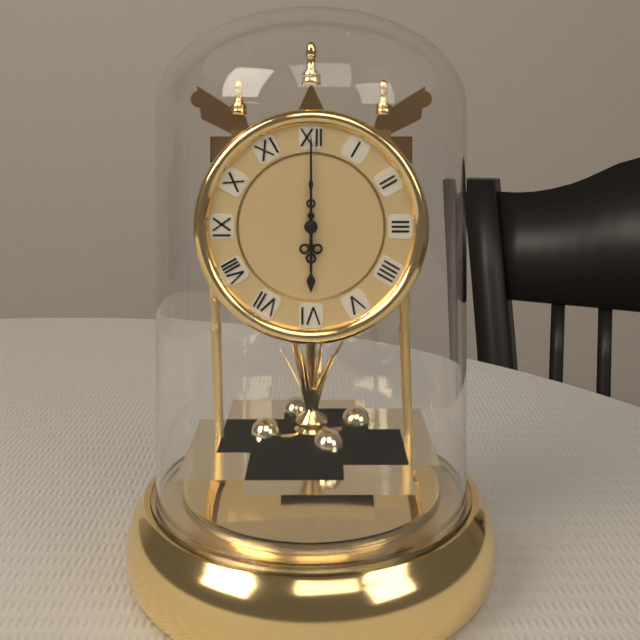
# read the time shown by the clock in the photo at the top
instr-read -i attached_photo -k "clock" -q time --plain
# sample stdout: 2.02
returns 6.00
